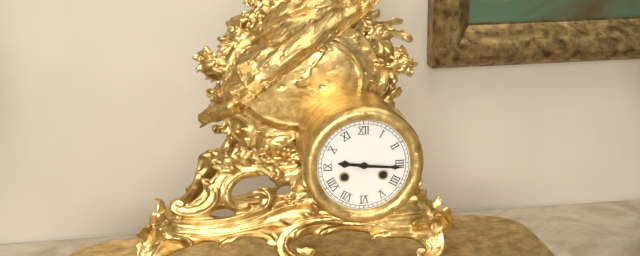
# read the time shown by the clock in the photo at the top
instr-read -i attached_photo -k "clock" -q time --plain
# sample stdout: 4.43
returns 9.16
